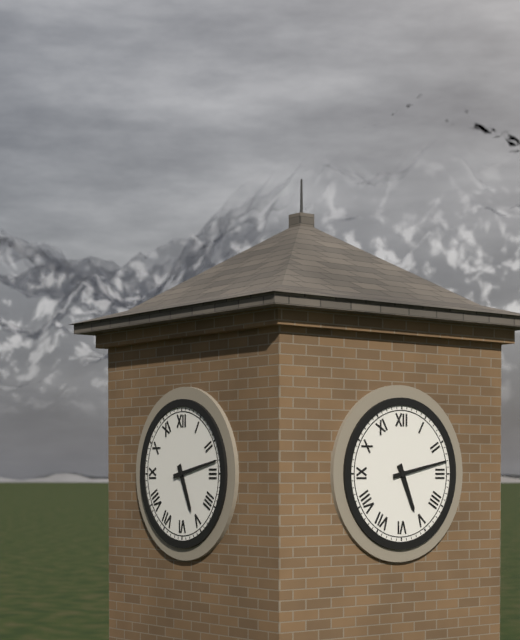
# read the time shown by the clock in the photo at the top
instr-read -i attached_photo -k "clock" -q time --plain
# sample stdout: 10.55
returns 5.13
